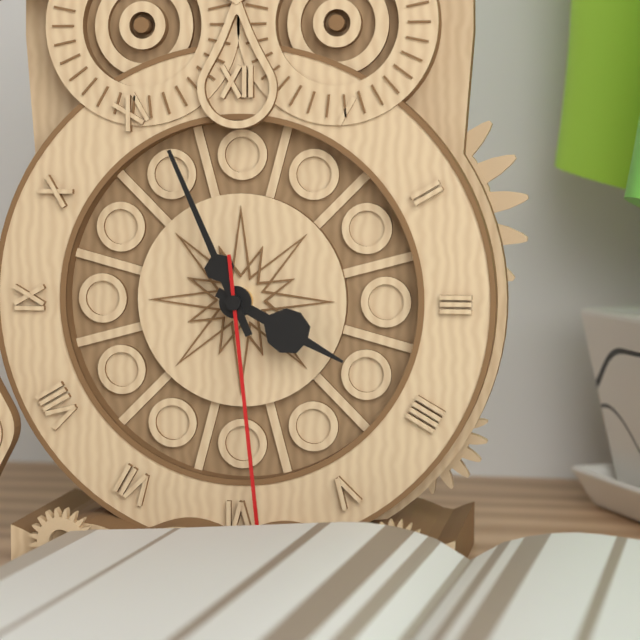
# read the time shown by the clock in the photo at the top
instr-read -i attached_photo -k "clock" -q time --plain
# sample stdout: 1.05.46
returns 3.56.29
